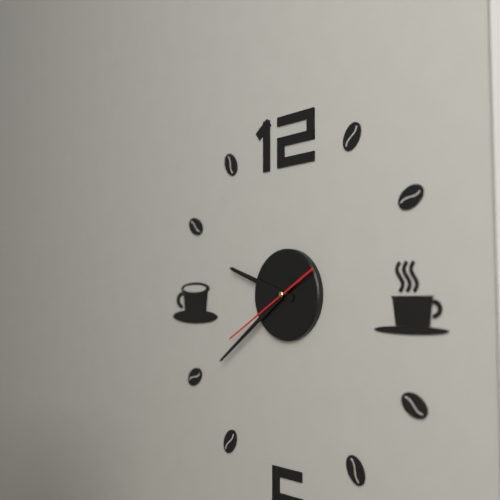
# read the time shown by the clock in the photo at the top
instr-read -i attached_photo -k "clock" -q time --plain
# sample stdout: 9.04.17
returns 9.39.40
